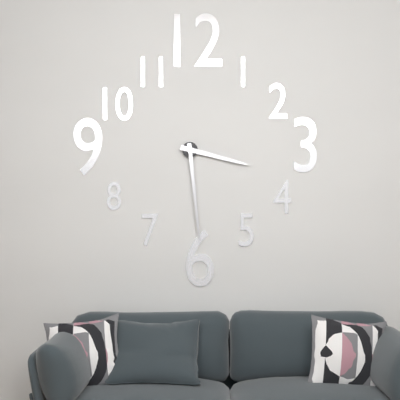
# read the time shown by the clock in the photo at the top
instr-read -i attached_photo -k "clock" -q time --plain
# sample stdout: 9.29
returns 3.29
